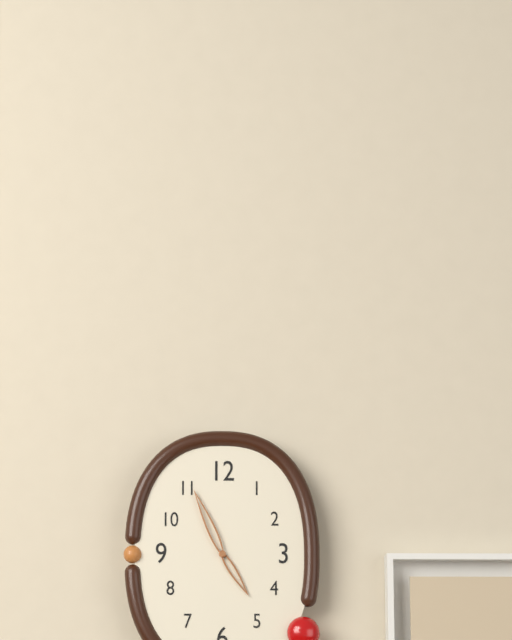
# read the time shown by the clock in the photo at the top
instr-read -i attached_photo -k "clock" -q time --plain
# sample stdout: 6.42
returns 4.56
